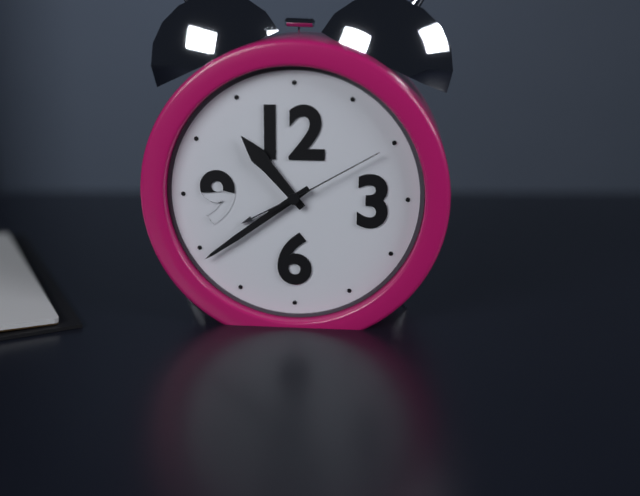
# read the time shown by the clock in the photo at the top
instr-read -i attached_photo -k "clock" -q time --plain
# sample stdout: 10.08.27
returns 10.39.10
